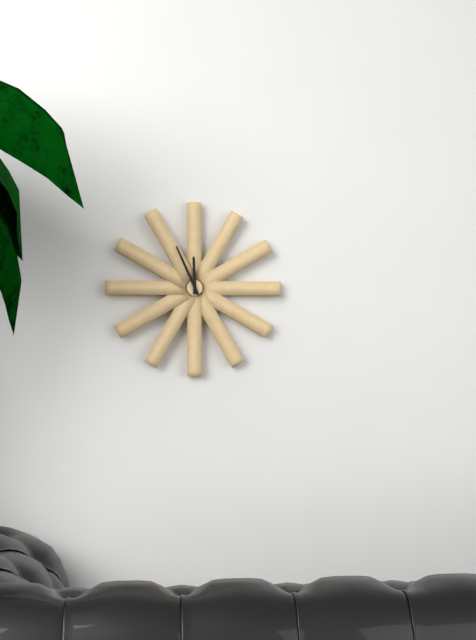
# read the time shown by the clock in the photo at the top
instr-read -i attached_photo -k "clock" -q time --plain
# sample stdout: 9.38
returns 11.56
